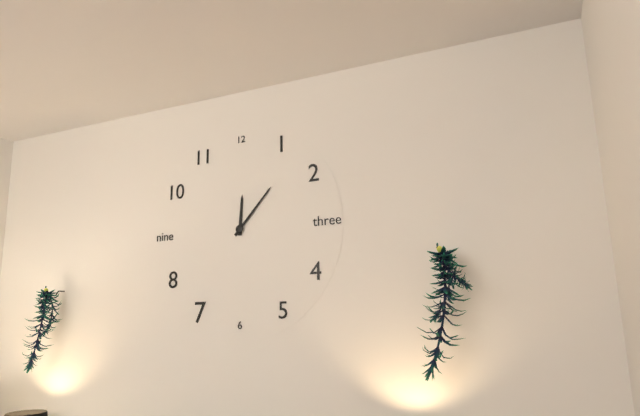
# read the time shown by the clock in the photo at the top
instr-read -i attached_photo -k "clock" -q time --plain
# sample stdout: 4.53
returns 12.07
